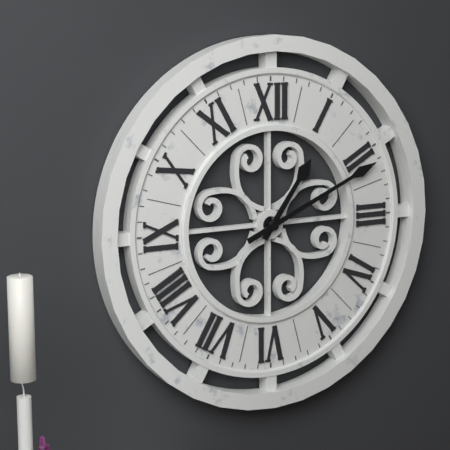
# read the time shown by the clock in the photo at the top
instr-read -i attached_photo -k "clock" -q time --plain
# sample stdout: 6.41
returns 1.11
